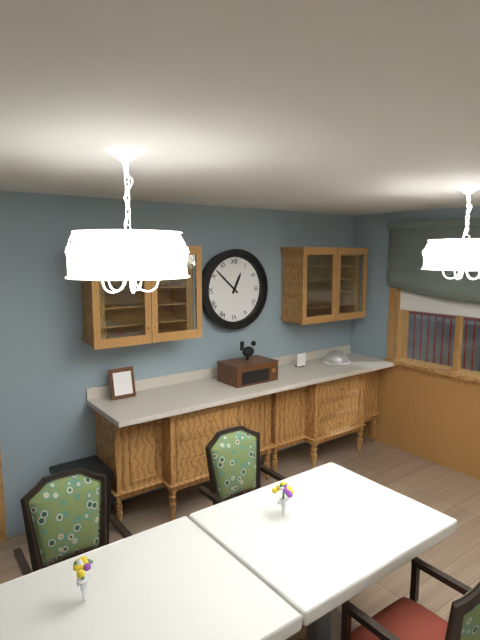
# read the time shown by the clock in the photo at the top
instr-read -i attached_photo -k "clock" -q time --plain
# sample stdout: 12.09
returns 12.52
